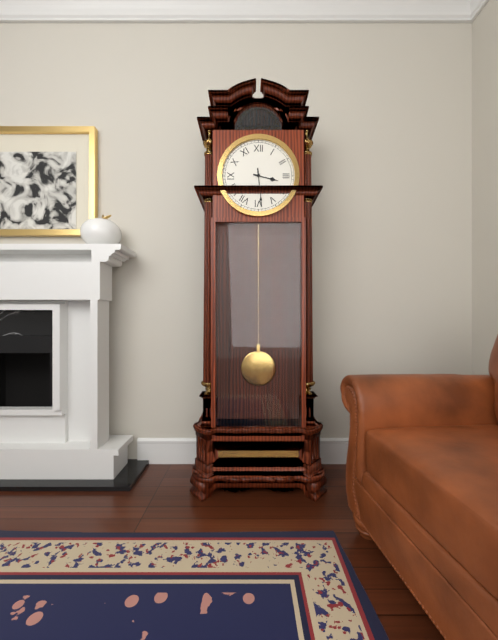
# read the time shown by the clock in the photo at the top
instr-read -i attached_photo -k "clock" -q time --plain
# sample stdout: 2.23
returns 3.29
